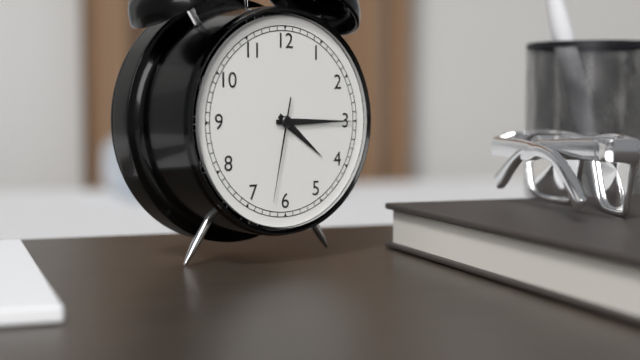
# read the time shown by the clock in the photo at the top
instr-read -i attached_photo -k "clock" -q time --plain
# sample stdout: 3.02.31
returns 4.15.32
